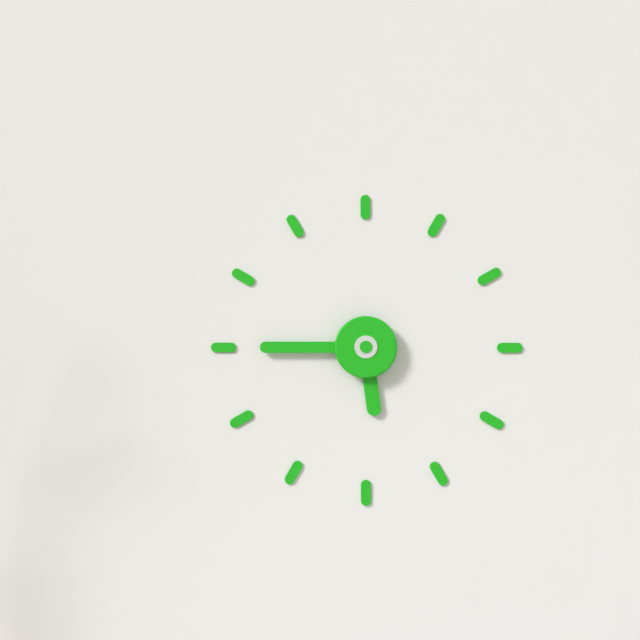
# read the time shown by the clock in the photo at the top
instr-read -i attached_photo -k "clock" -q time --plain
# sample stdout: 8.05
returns 5.45
